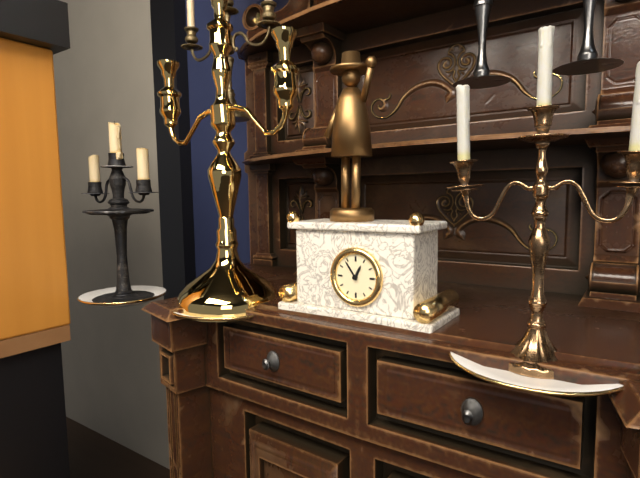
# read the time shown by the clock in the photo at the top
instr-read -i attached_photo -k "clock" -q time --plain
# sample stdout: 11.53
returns 12.54
